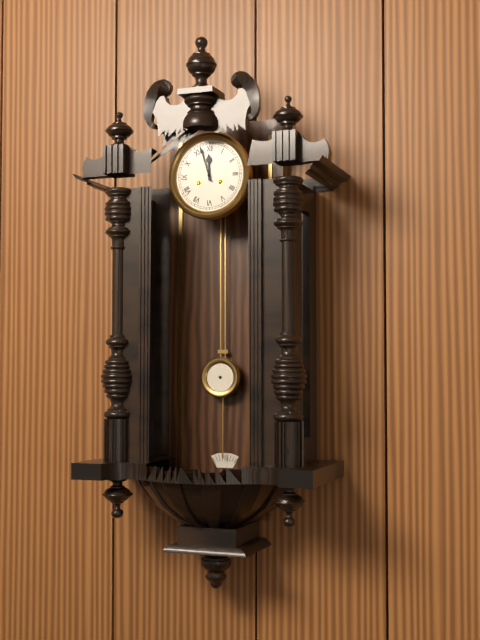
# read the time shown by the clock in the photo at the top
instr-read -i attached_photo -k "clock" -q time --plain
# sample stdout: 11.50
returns 11.57
